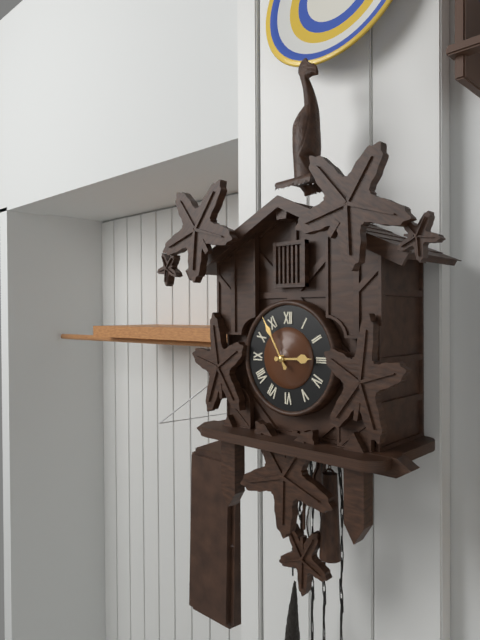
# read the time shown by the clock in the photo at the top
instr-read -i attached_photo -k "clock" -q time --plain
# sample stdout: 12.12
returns 2.55
